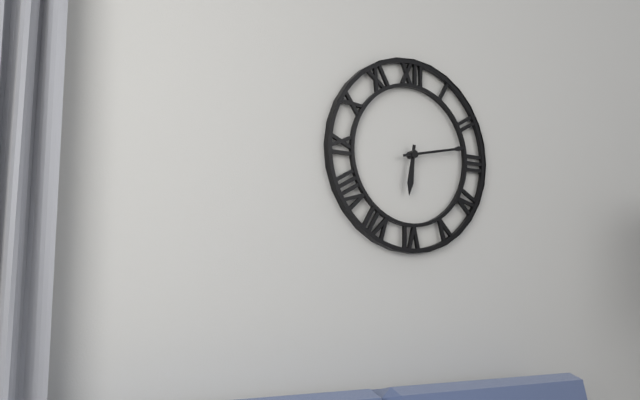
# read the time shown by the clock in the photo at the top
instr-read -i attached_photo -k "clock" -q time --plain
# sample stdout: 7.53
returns 6.13
